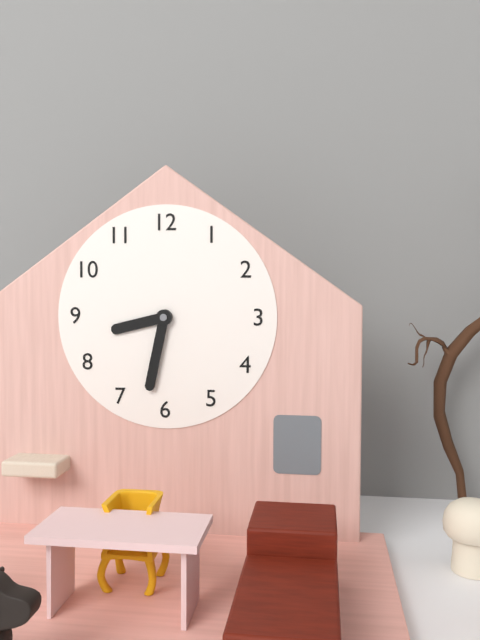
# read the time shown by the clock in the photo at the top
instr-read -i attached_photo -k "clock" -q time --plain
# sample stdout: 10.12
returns 8.32
